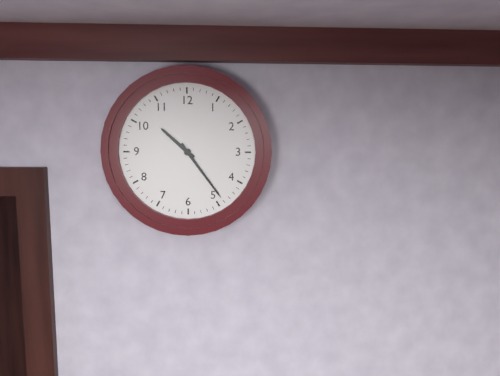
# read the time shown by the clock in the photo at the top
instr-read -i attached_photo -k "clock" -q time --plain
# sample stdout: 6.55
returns 10.24
